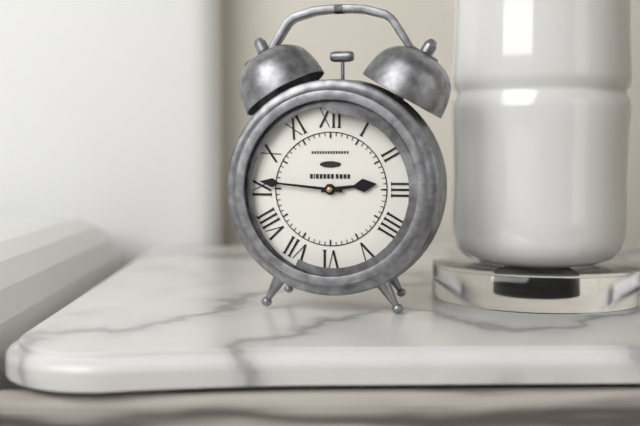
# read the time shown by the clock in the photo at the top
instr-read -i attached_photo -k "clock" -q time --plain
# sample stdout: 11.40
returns 2.46
